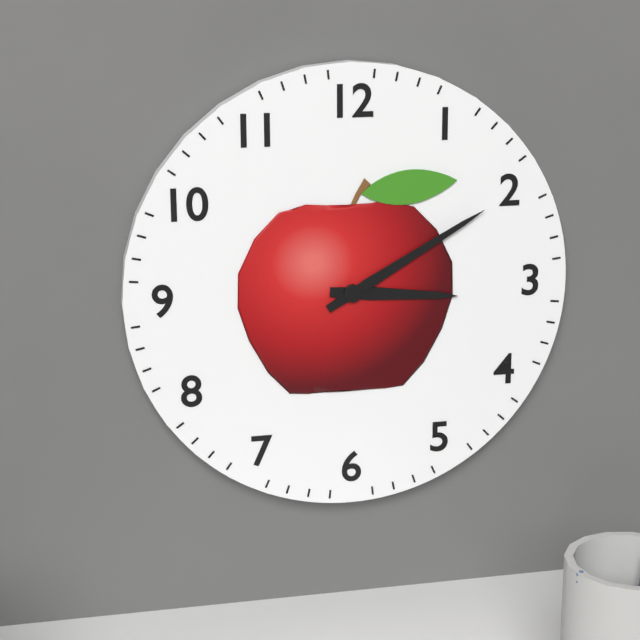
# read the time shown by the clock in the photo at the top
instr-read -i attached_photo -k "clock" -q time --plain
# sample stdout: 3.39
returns 3.10
